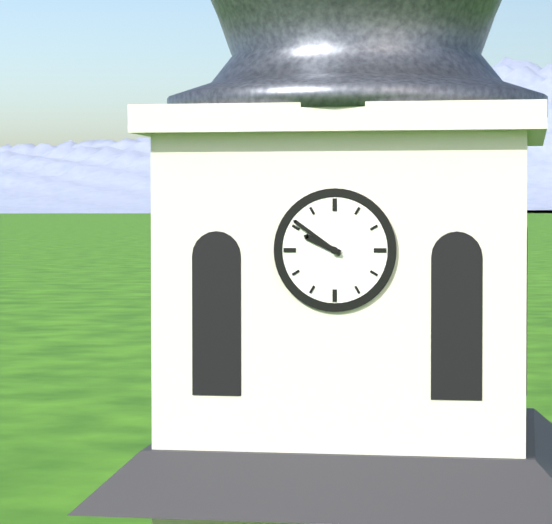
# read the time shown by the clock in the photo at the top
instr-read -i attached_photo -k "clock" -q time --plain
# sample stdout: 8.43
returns 9.51
